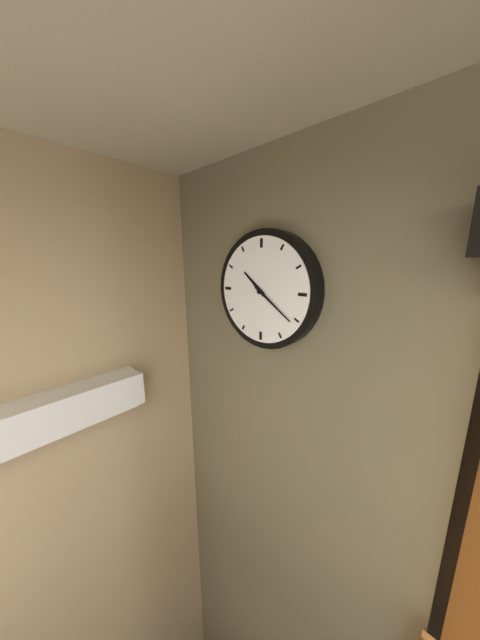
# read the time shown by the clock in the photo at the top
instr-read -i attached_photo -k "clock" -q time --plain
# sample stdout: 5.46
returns 10.21
